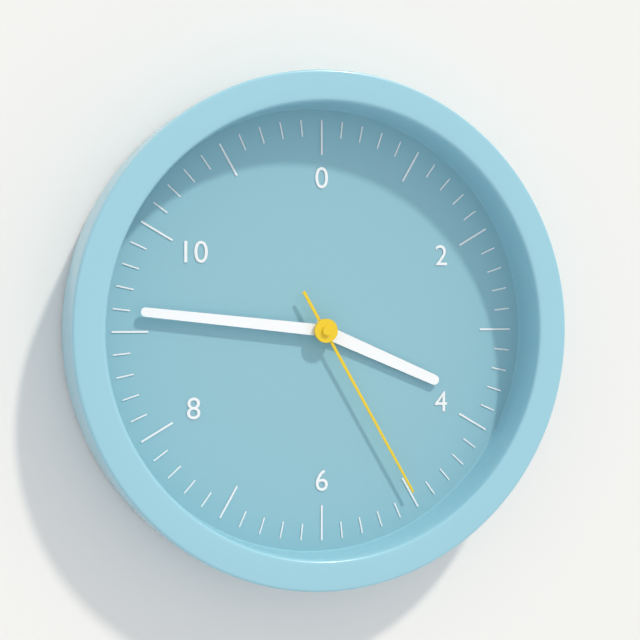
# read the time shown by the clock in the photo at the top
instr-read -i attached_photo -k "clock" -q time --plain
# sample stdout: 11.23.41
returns 3.46.25
